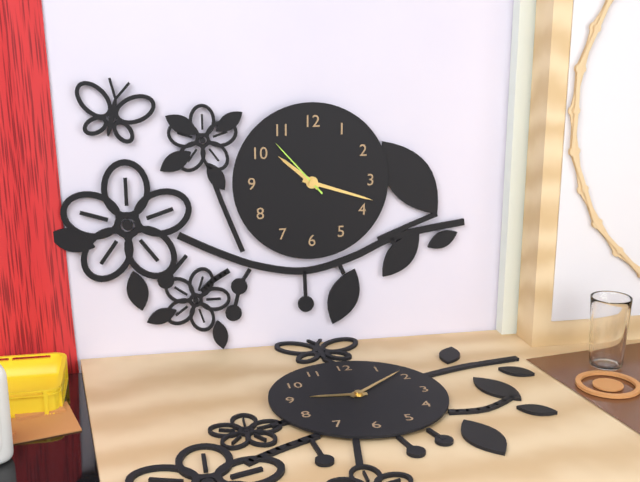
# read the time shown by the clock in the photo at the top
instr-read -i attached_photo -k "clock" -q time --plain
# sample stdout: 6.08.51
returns 10.18.53
